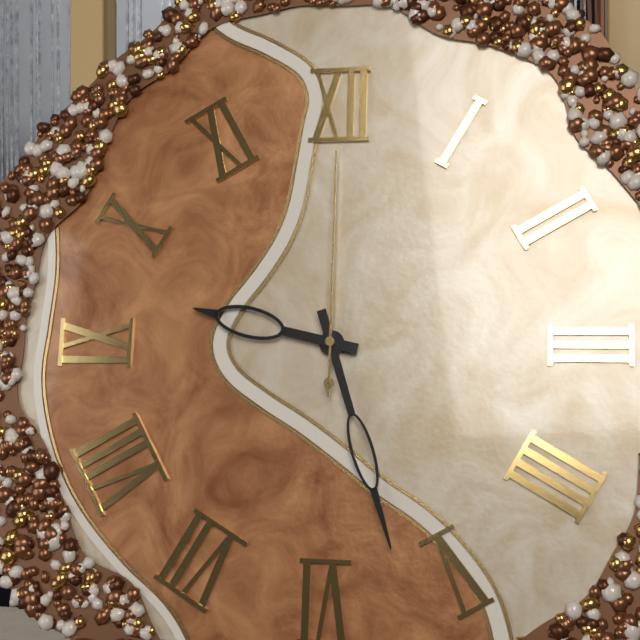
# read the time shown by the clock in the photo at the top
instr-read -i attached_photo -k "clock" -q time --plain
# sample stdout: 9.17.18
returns 9.27.00
